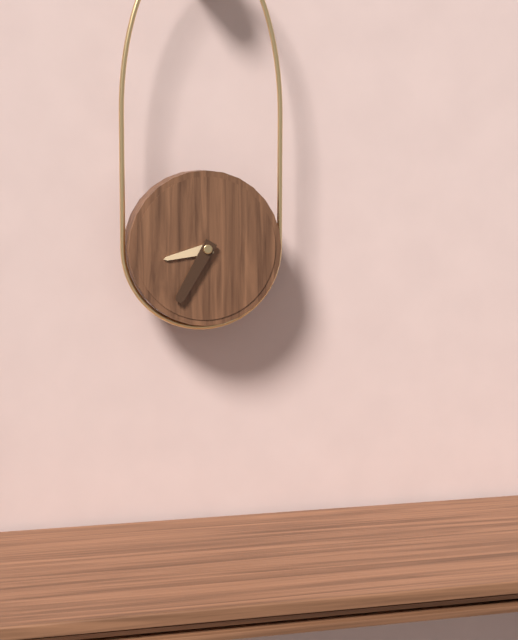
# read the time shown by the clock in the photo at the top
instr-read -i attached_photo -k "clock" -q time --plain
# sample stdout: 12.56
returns 8.35
